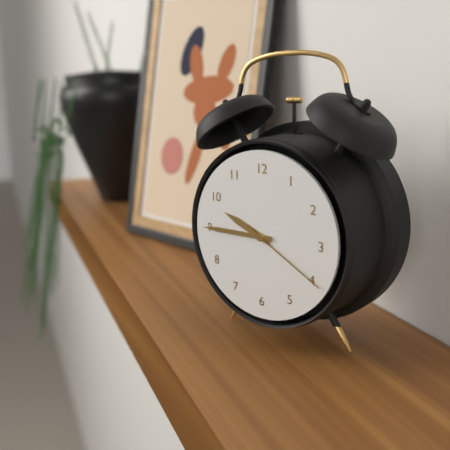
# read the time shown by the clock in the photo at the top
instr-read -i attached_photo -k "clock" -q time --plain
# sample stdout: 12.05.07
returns 9.45.20
